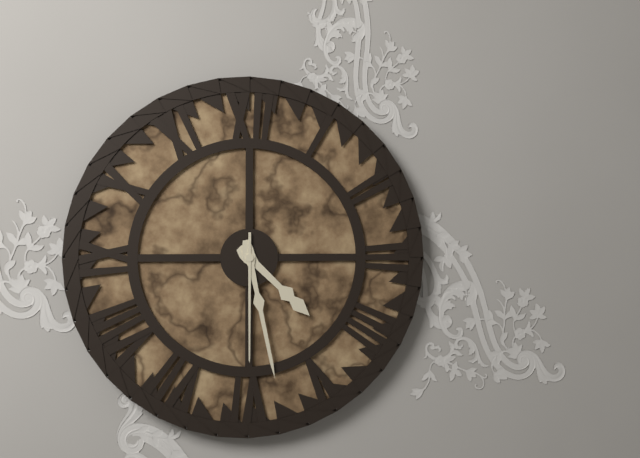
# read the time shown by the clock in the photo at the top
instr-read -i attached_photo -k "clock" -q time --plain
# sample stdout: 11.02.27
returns 4.28.30
